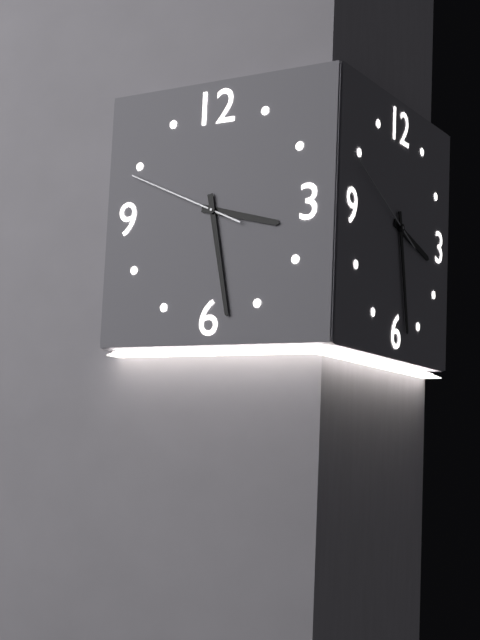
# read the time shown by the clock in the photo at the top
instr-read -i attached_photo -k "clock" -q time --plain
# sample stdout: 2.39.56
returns 3.28.49
